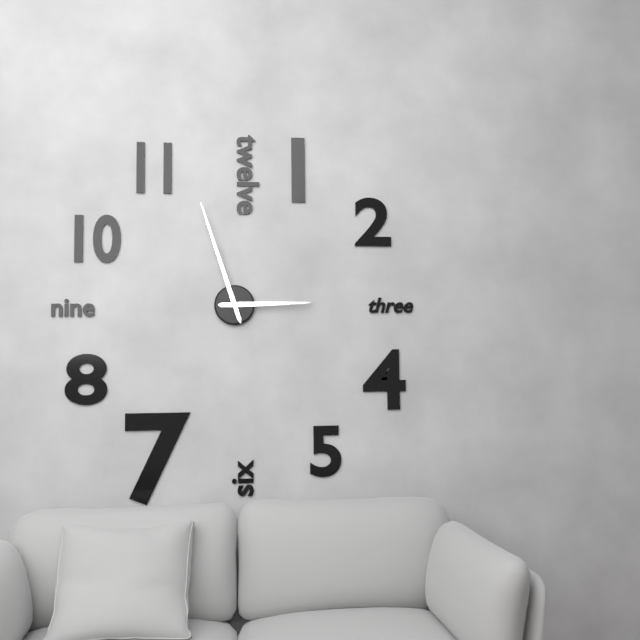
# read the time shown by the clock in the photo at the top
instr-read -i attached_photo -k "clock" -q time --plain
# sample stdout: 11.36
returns 2.57
